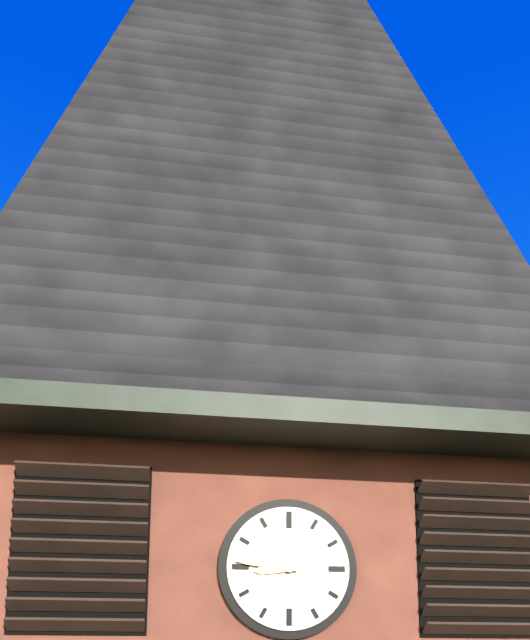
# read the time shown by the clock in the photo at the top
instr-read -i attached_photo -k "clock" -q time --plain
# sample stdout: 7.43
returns 8.46
